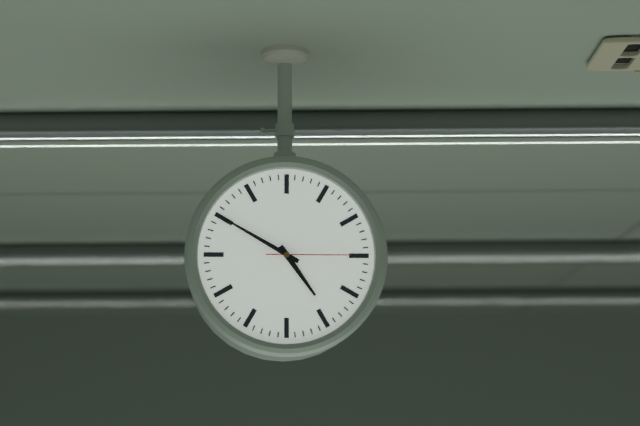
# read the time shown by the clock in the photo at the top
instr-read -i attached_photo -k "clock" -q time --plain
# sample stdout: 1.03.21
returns 4.50.15
